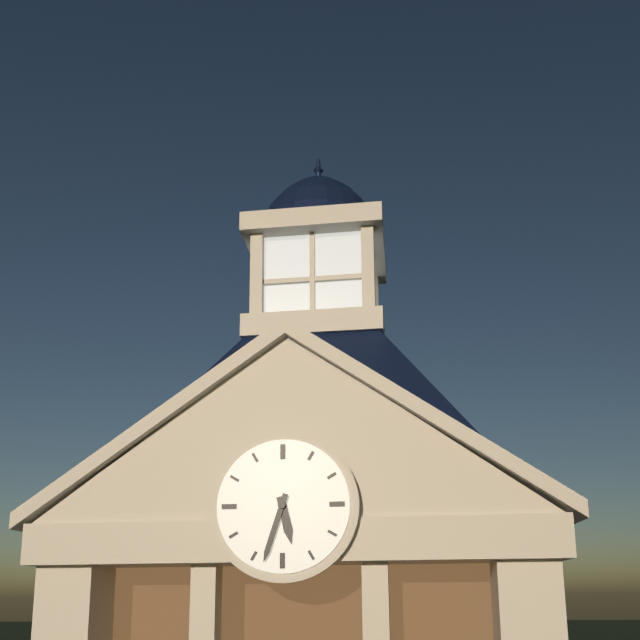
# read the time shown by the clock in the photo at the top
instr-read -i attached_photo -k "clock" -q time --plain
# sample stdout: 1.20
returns 5.33
